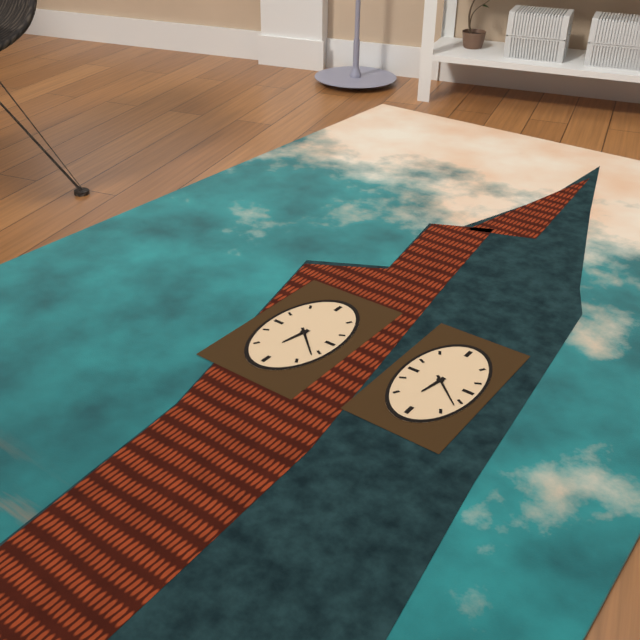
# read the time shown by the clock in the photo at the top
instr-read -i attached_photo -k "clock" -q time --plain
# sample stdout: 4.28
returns 6.22
